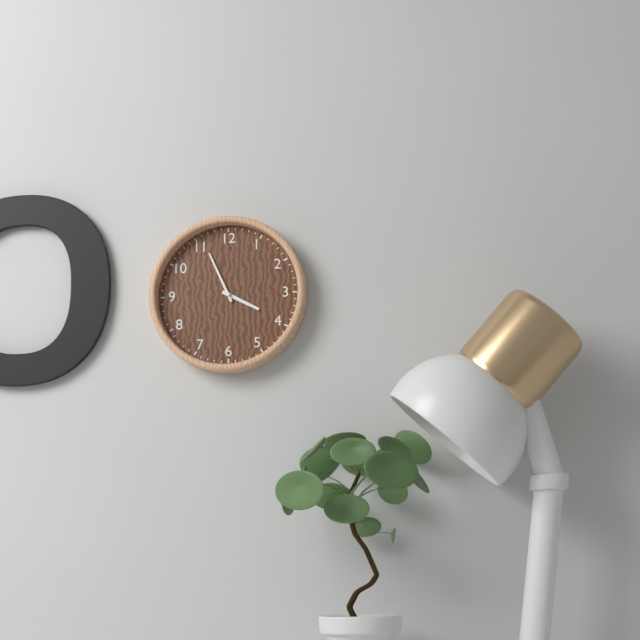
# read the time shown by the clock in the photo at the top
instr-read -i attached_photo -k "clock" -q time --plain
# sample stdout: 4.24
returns 3.56
